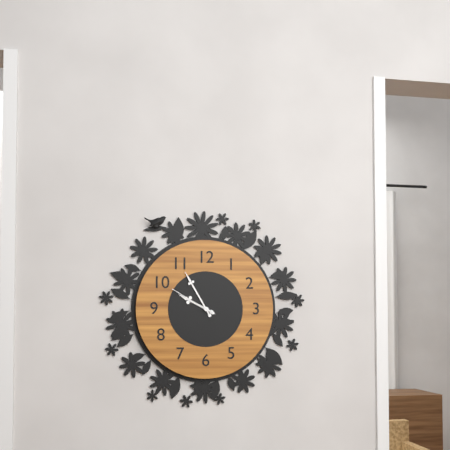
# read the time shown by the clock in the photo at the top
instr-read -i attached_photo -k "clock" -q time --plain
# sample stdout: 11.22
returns 9.55
